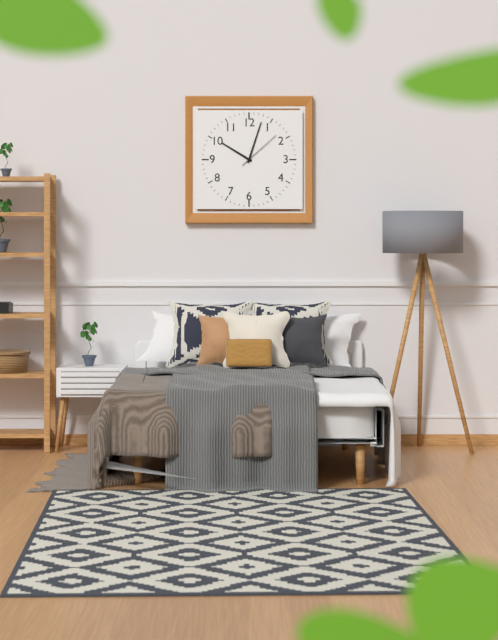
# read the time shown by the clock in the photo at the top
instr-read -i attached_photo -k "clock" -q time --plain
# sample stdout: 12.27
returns 10.03
